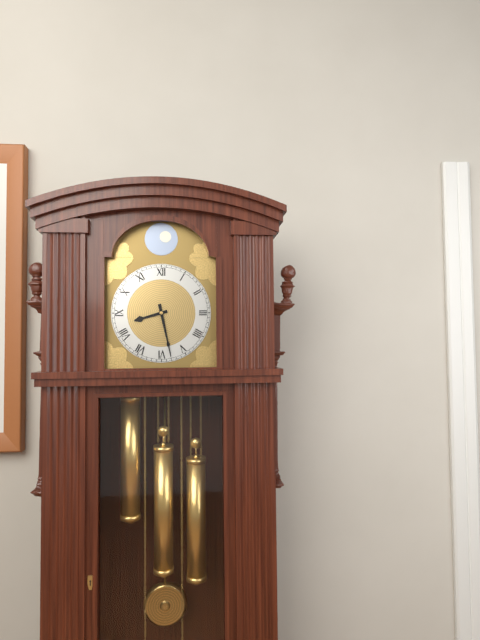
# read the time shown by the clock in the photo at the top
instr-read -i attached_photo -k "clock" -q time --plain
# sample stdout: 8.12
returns 8.28
